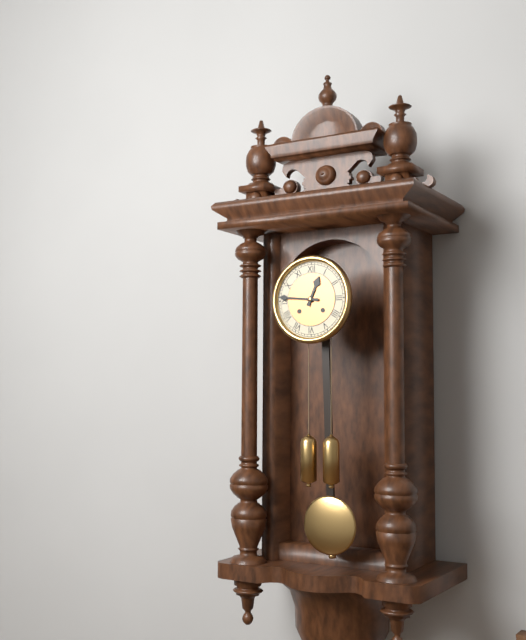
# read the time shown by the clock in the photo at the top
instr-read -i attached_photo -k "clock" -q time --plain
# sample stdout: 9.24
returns 12.46
